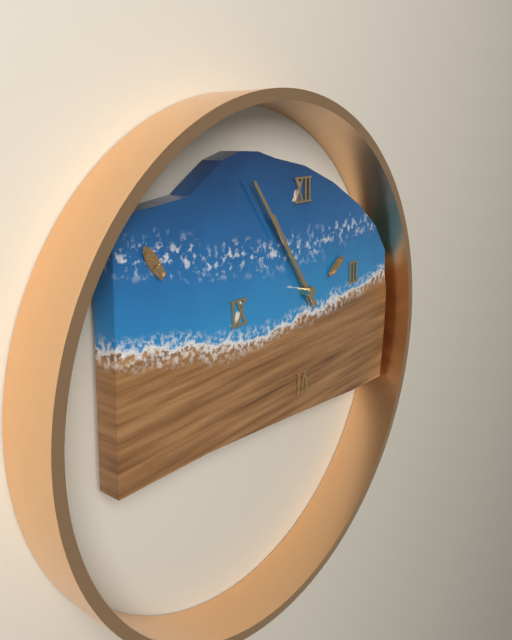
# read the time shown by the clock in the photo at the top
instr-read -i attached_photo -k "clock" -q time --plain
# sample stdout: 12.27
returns 10.54
